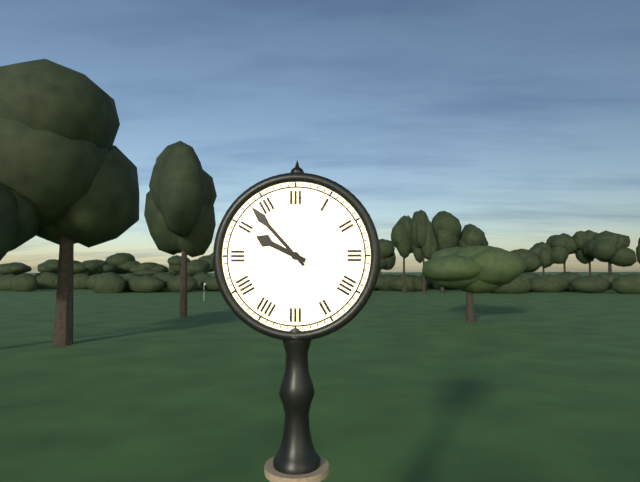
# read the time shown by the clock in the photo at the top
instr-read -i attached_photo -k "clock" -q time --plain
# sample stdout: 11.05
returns 9.53
